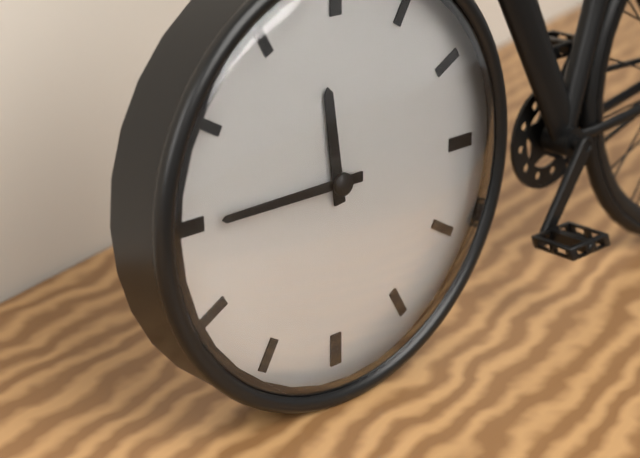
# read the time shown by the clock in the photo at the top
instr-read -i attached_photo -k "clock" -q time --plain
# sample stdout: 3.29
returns 11.45
